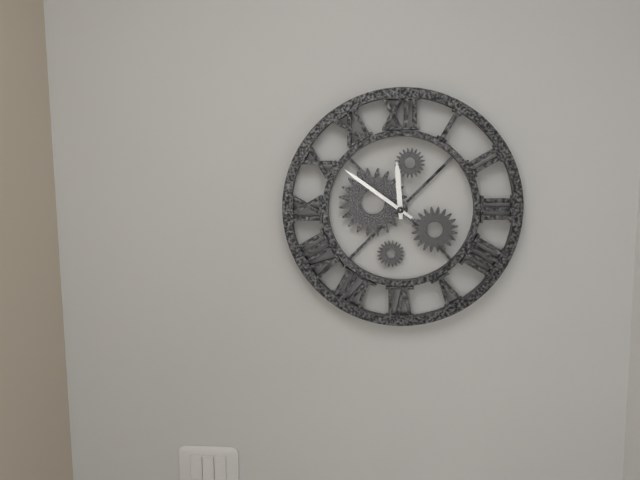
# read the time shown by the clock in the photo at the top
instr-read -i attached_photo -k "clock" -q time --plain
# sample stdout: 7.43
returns 11.51
